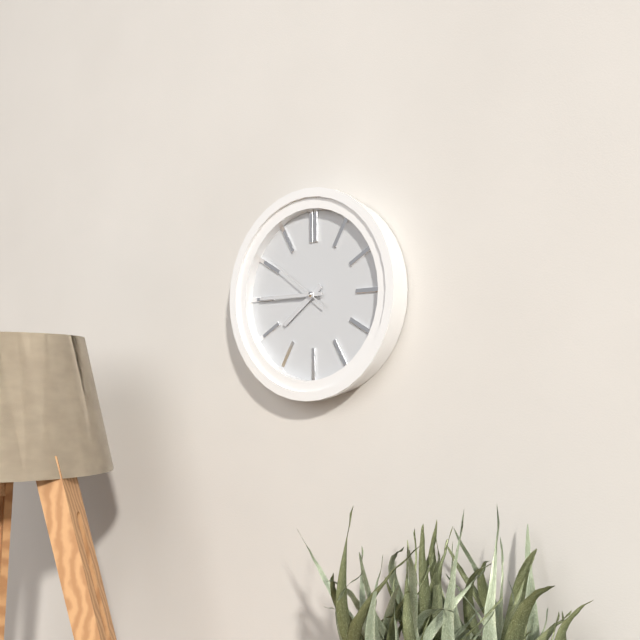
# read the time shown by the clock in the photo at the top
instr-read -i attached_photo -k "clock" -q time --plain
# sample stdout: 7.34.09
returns 7.45.51
